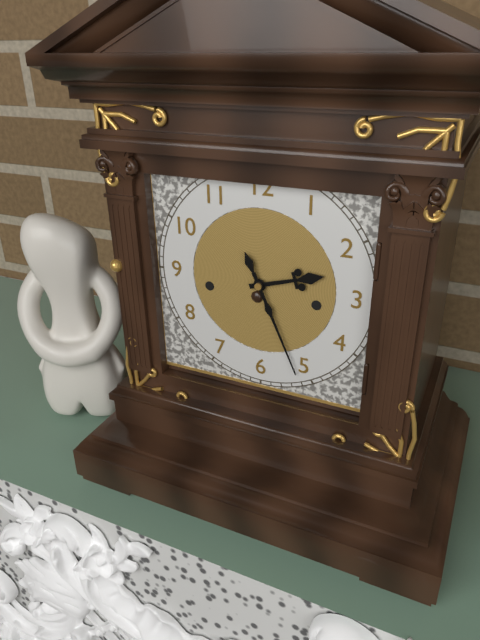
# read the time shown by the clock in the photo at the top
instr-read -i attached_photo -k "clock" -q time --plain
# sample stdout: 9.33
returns 2.26
